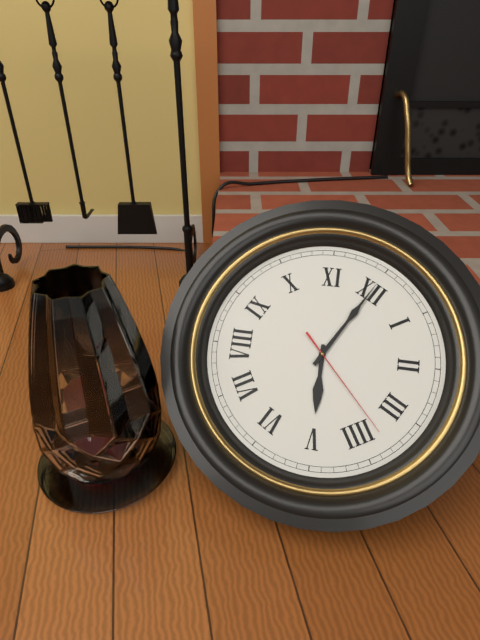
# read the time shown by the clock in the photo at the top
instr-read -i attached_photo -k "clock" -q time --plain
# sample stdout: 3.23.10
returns 5.00.18
